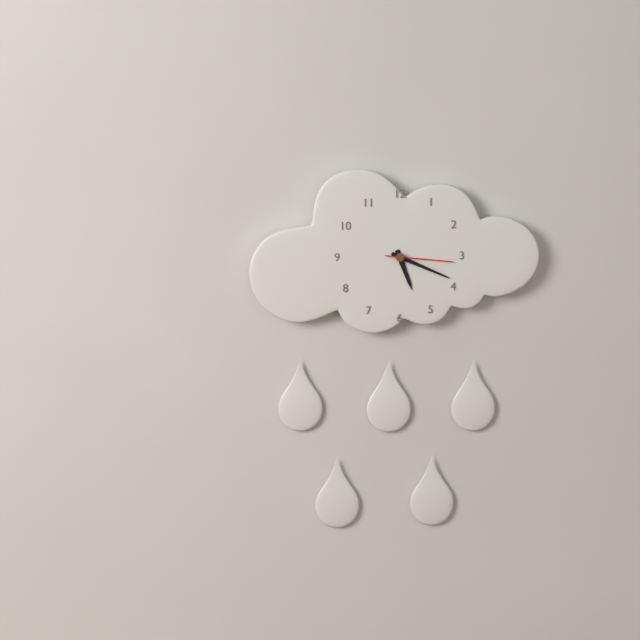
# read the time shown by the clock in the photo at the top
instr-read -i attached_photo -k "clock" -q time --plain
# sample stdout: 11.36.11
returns 5.19.16
